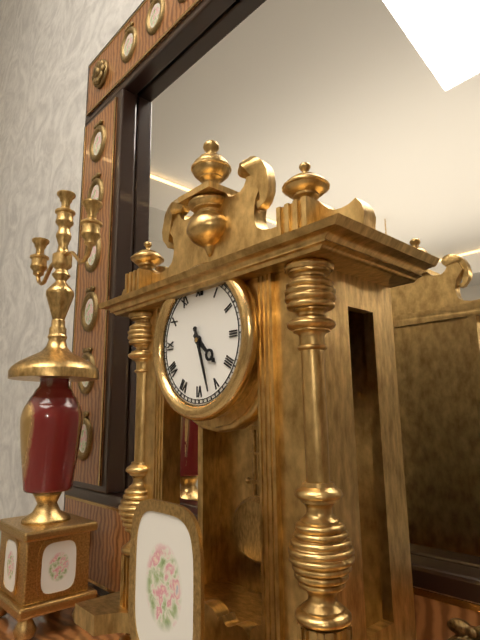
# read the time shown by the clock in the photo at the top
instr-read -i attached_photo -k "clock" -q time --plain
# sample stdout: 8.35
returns 4.27
